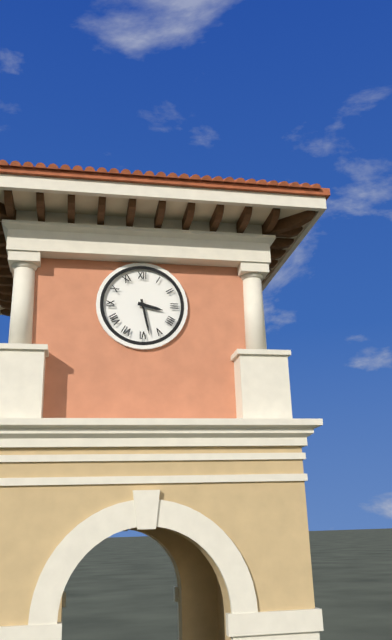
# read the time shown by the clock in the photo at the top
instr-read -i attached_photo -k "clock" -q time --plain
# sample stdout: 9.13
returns 3.28
